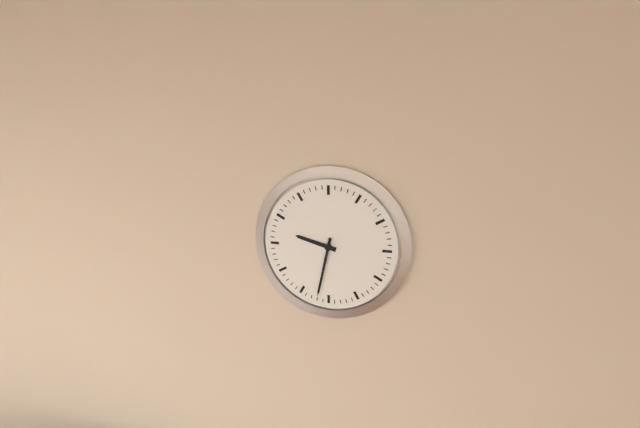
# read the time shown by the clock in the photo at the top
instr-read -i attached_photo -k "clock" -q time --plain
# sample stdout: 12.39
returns 9.32
